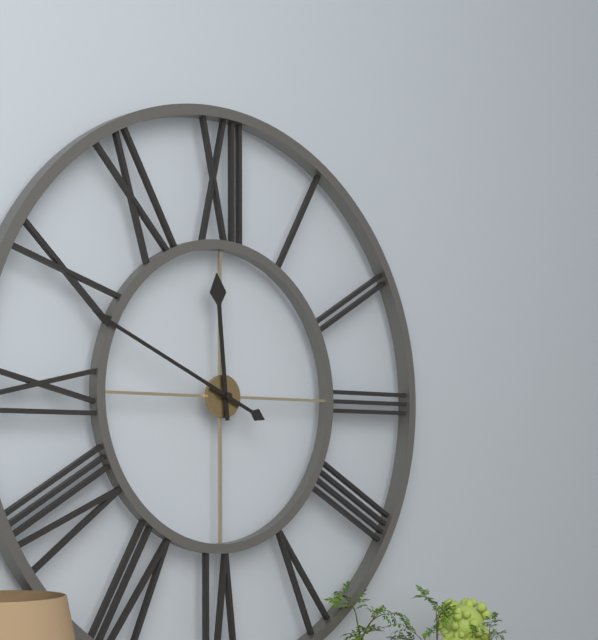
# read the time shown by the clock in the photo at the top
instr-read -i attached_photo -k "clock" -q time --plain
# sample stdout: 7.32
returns 11.49
